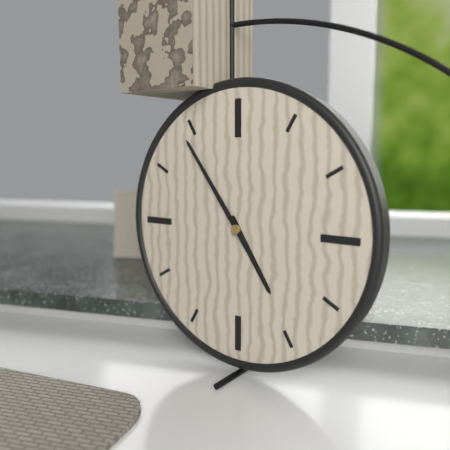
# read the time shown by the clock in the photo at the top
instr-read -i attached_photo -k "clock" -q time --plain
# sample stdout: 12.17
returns 4.54
